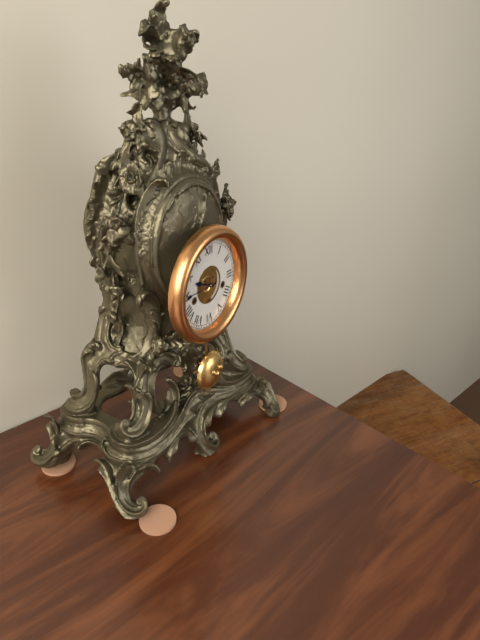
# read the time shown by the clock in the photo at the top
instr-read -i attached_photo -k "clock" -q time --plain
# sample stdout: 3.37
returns 9.45
